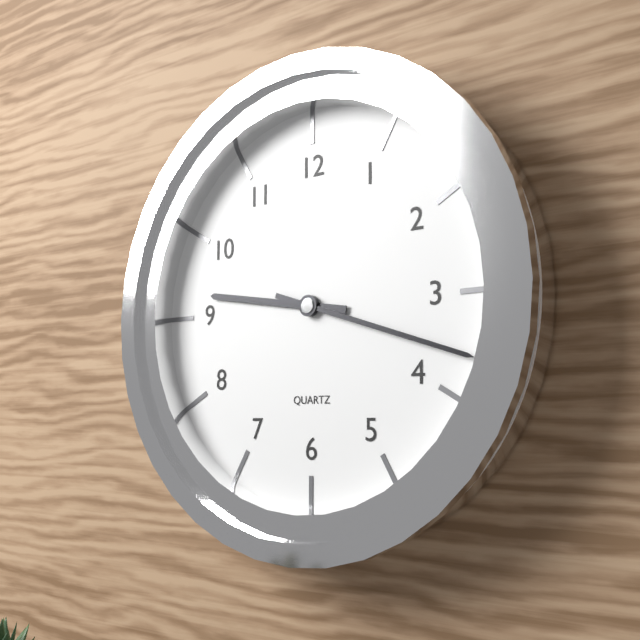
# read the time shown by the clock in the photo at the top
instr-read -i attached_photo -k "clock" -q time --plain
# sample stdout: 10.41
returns 9.18
